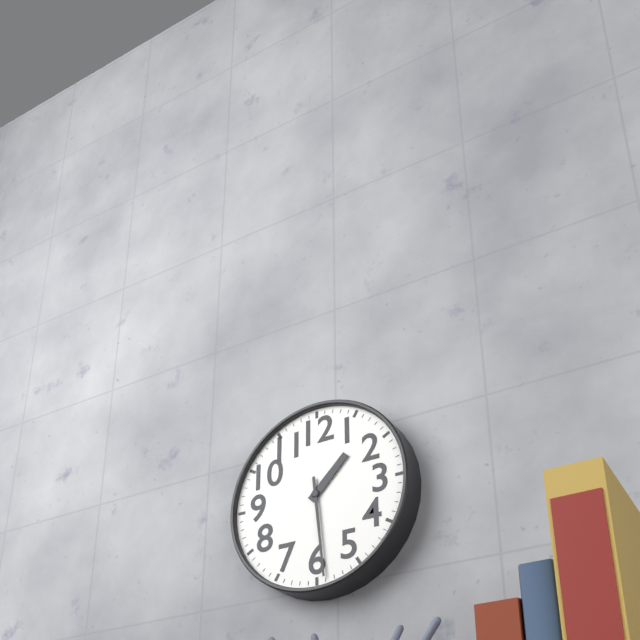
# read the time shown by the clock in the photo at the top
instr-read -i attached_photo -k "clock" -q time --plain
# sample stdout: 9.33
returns 1.29
